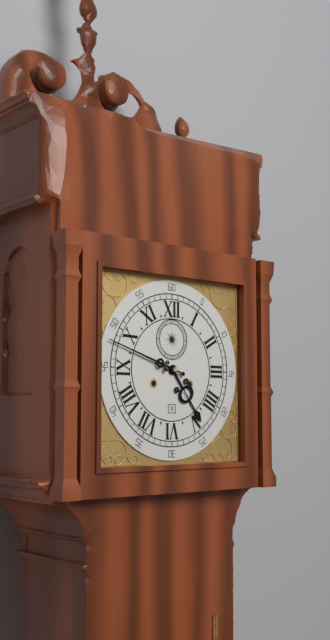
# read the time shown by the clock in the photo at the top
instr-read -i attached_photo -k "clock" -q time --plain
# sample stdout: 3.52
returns 4.48
